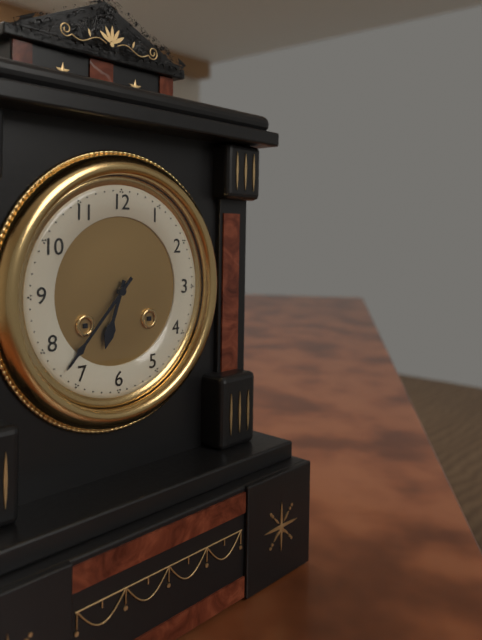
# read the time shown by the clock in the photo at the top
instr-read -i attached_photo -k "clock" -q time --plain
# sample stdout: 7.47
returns 6.37
